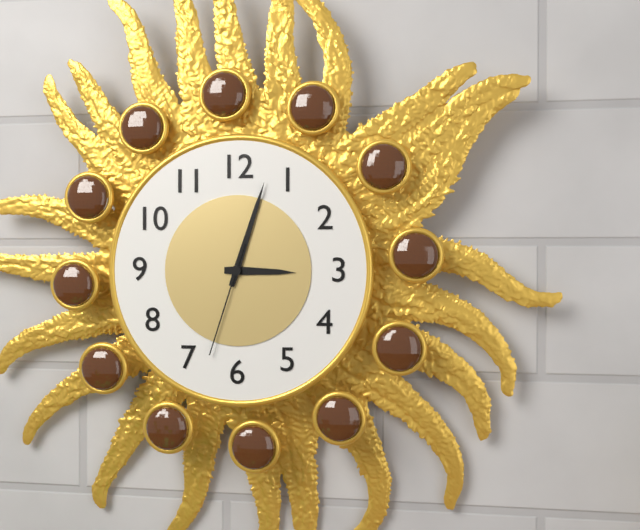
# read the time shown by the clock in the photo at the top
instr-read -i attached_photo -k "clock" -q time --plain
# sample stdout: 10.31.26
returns 3.03.33
